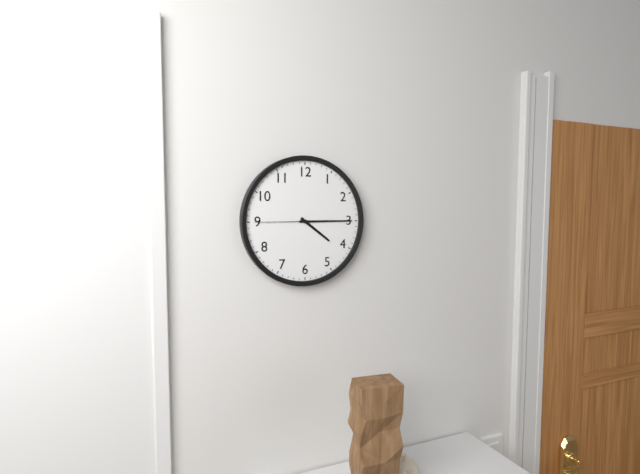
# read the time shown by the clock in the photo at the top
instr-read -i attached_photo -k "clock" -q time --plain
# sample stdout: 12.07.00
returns 4.15.45
